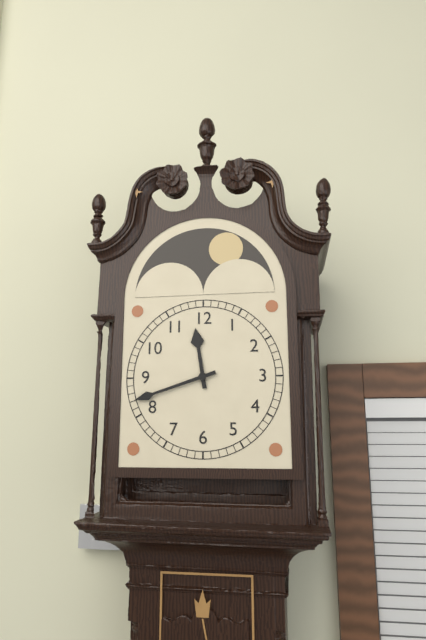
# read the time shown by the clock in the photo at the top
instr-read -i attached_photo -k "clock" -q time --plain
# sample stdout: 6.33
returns 11.42
